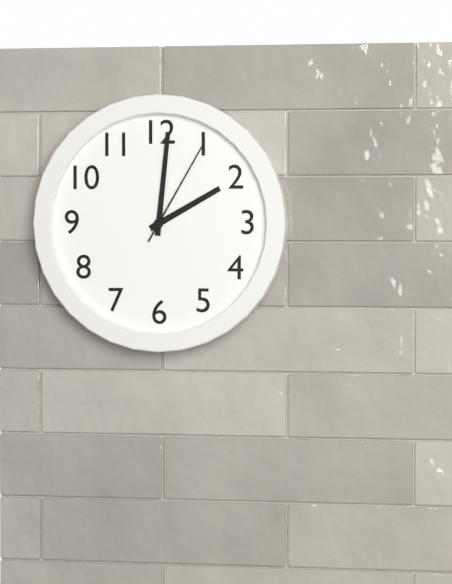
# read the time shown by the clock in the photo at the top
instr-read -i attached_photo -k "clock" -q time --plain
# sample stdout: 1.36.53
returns 2.01.05
